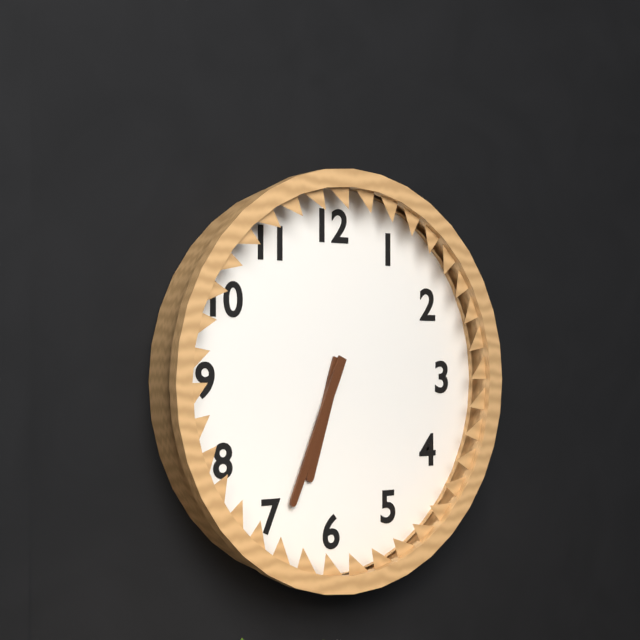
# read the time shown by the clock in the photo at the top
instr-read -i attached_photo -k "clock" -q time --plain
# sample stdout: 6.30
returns 6.34
